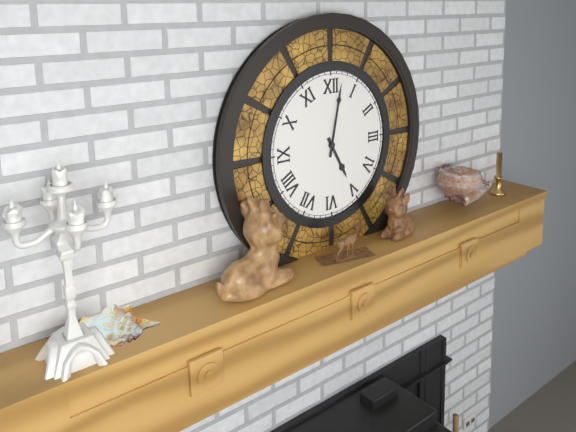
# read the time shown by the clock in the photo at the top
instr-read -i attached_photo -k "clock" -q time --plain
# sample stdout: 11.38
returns 5.02
